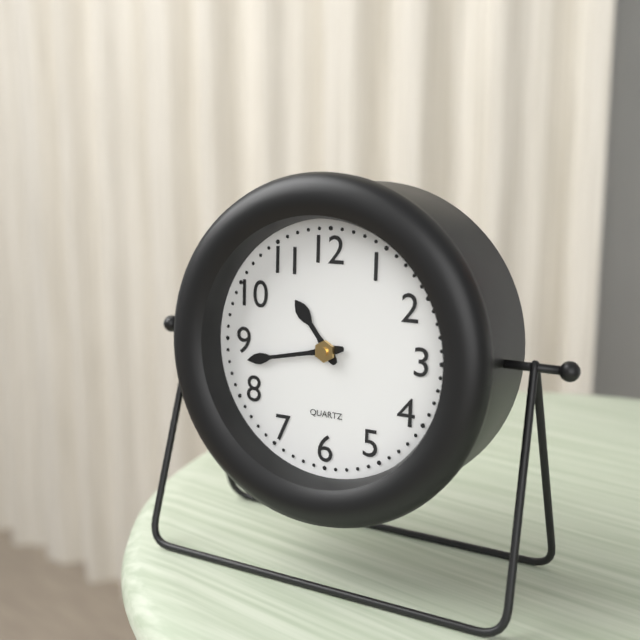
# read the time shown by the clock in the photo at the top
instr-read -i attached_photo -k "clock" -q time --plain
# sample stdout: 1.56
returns 10.43
